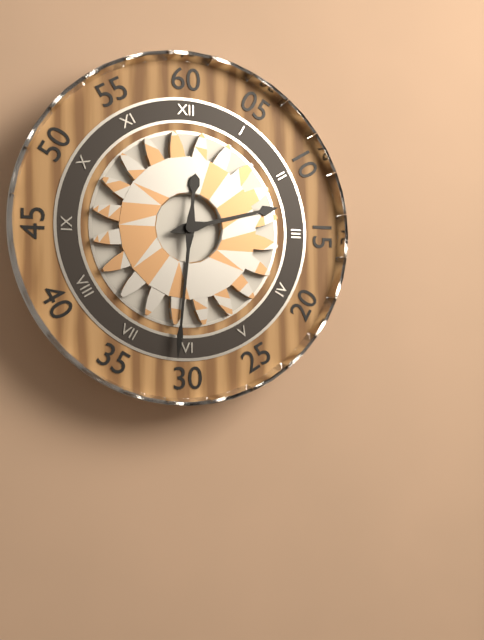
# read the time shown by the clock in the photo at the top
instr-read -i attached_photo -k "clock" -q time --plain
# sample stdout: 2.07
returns 2.31
